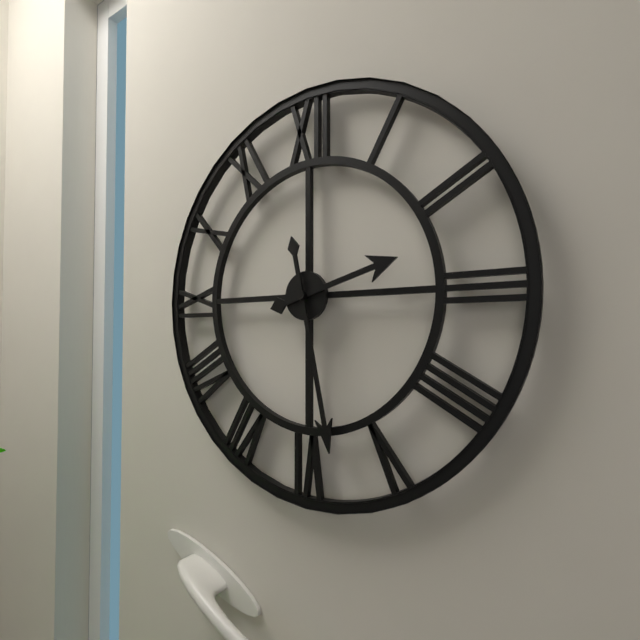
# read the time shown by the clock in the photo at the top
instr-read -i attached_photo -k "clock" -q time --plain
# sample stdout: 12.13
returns 2.28
